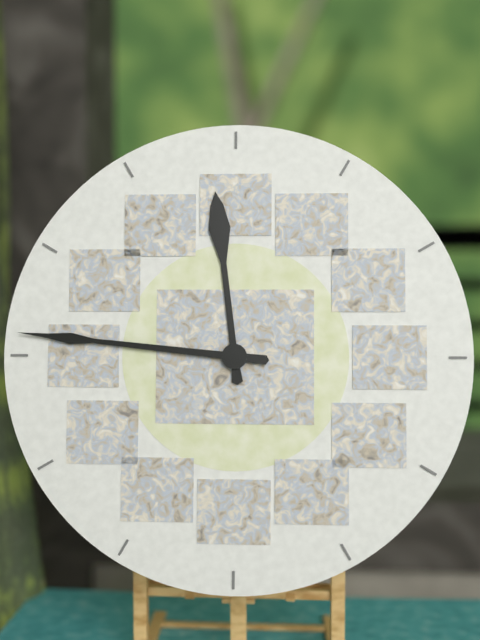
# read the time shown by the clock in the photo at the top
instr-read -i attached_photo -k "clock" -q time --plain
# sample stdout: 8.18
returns 11.46
